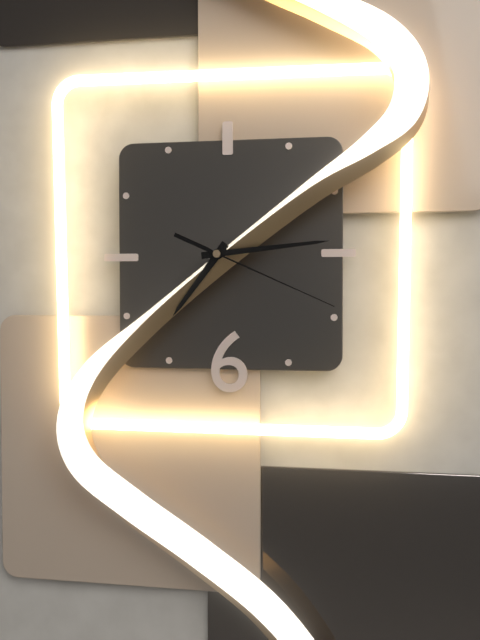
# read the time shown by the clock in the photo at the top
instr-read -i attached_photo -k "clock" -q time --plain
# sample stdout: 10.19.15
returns 7.14.19
